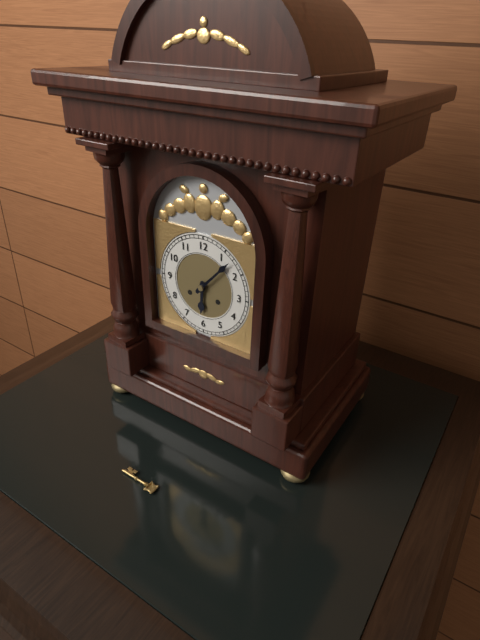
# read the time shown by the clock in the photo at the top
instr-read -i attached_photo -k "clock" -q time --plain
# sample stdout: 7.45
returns 6.07
